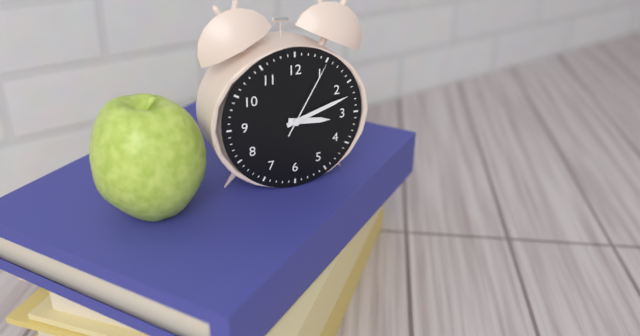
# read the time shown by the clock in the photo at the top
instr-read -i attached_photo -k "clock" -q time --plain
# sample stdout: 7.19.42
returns 3.12.05
